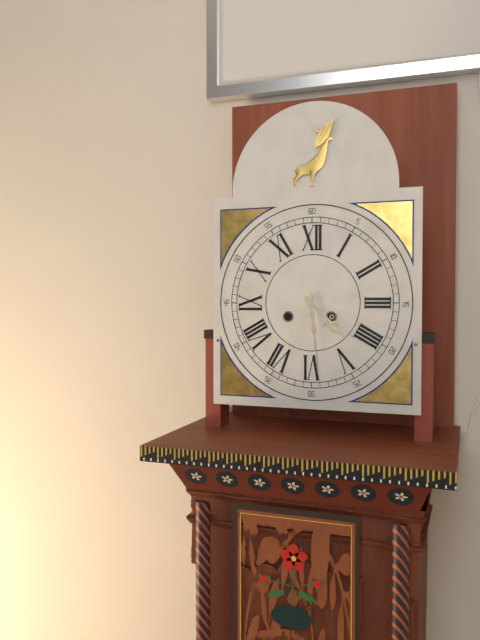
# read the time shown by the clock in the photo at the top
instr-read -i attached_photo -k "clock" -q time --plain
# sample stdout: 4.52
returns 4.29
